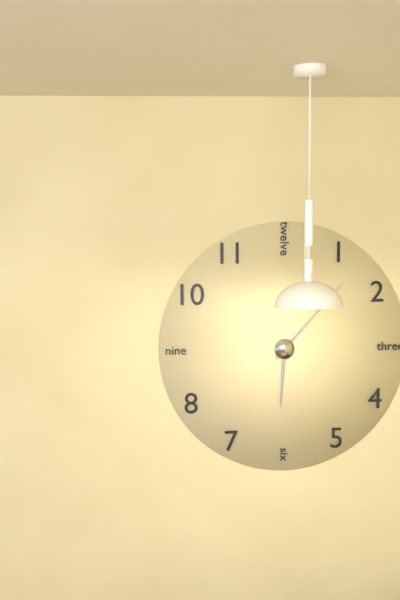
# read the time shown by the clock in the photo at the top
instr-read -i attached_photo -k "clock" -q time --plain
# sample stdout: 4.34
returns 6.07
